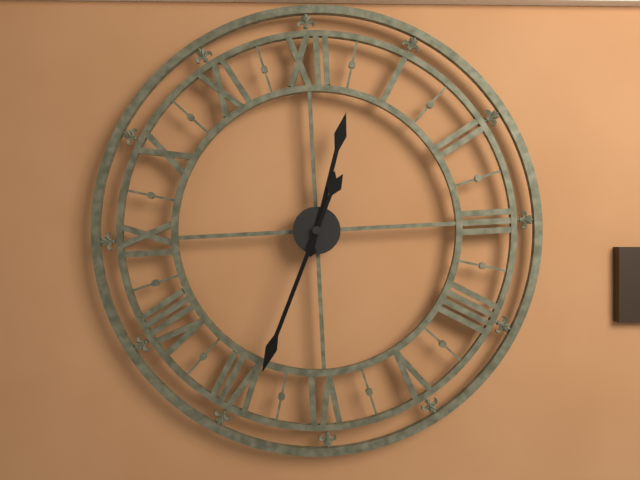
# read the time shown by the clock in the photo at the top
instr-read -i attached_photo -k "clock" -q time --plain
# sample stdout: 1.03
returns 12.34
